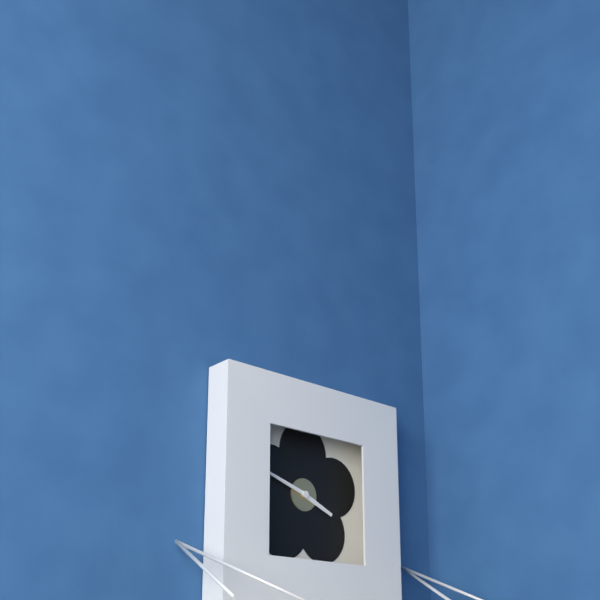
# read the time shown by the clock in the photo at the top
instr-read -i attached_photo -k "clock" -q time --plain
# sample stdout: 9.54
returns 3.48
